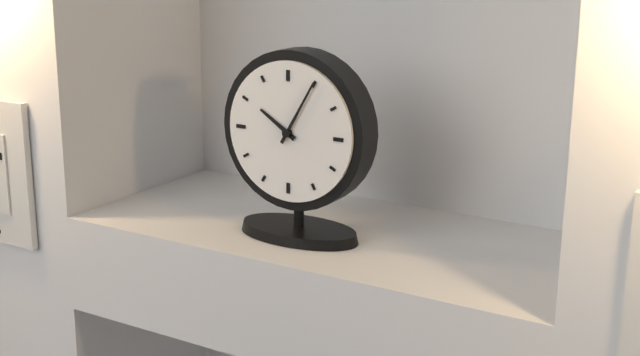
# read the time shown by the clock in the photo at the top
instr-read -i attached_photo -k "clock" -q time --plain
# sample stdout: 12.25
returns 10.05
